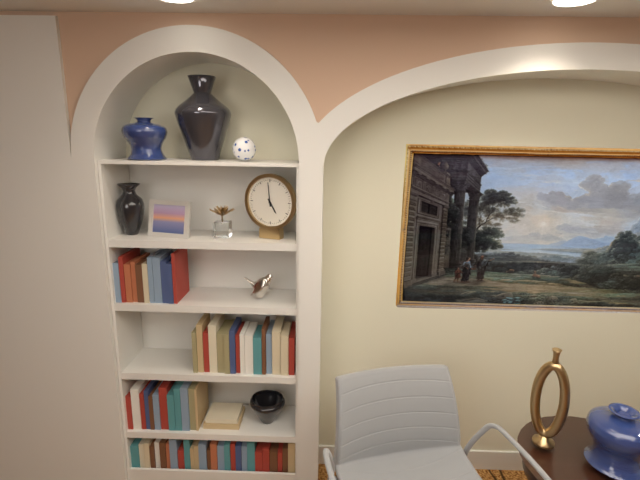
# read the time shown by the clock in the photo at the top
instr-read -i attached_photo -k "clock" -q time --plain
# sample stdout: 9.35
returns 4.59
